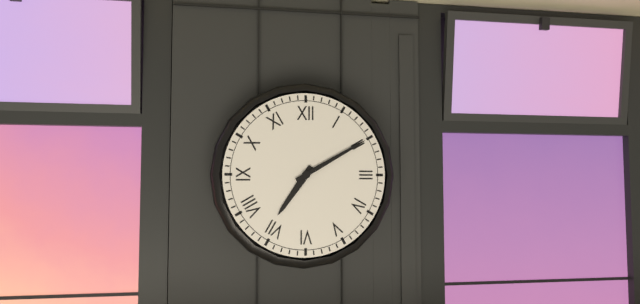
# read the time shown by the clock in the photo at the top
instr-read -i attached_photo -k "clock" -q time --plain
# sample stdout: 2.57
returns 7.10
